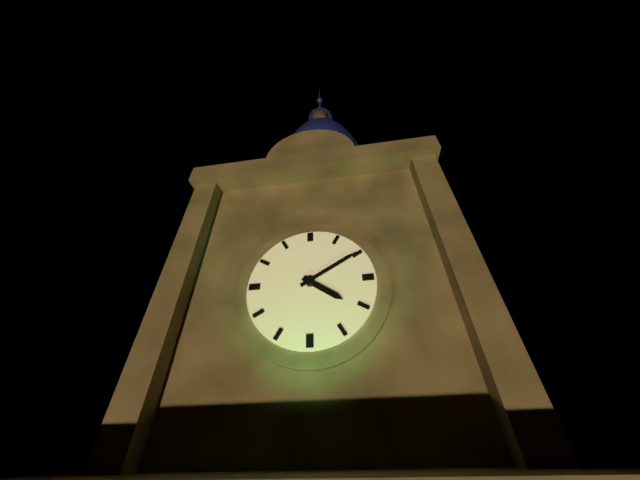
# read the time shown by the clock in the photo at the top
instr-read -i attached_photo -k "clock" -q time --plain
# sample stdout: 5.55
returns 4.10
